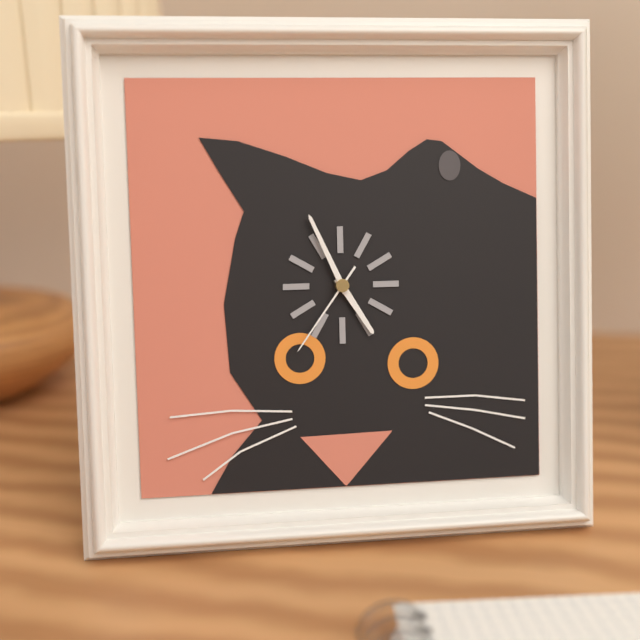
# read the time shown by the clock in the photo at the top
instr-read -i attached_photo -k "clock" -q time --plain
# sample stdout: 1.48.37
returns 4.56.36
